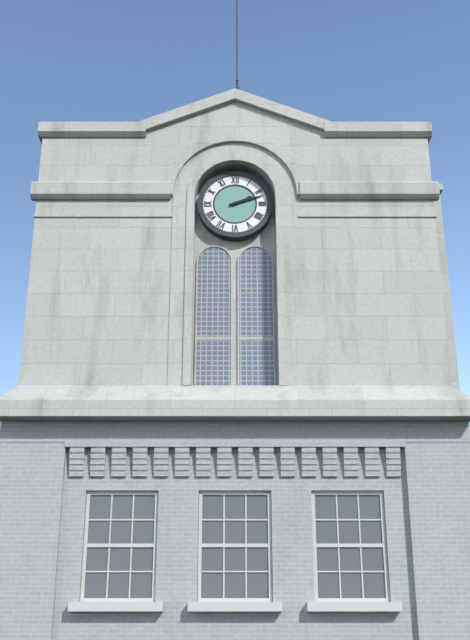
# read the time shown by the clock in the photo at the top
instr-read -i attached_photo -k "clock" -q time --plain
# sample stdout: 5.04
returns 2.12
